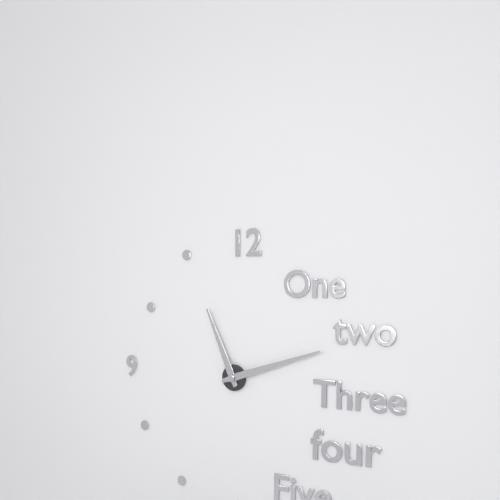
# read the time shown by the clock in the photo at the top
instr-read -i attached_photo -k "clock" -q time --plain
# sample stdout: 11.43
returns 11.12
